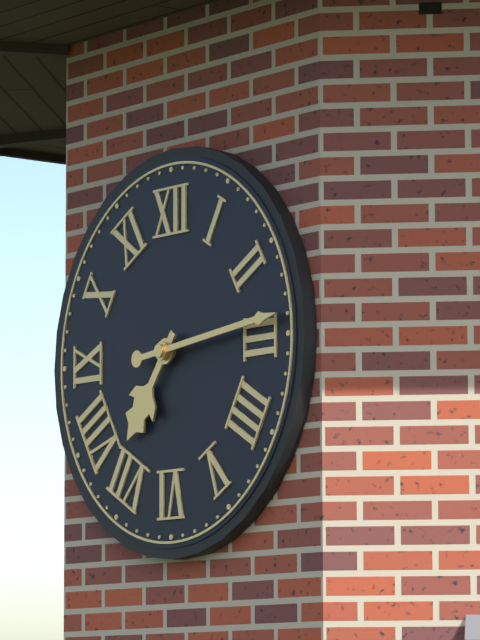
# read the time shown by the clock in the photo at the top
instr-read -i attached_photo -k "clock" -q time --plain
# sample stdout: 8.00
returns 7.14
